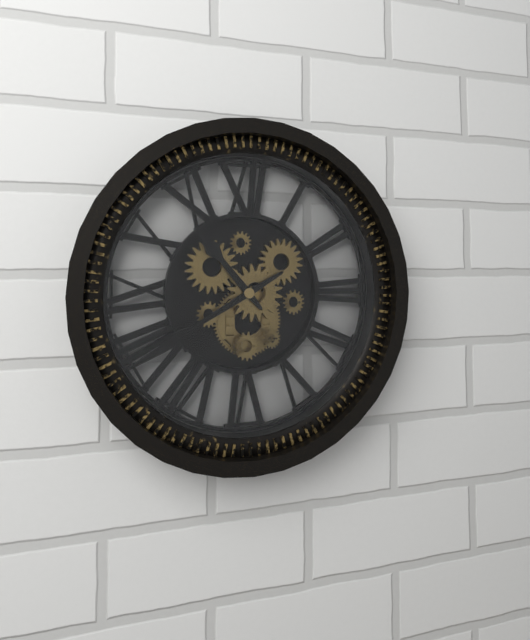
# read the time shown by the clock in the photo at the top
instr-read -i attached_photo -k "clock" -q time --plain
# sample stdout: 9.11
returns 10.40
